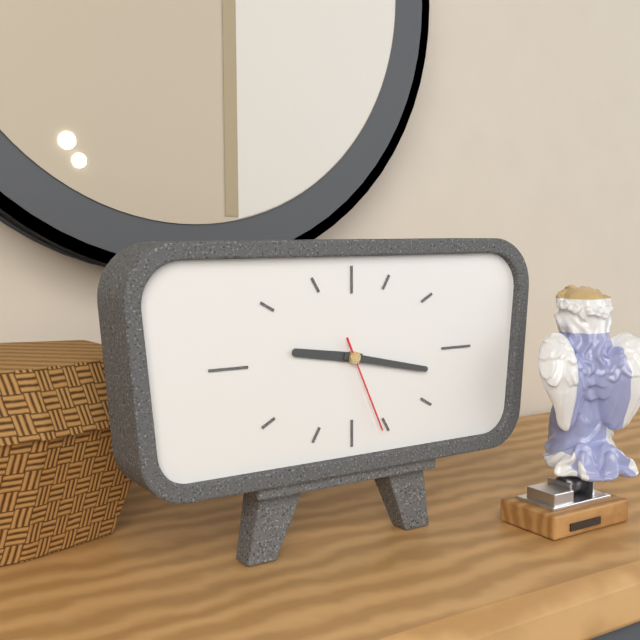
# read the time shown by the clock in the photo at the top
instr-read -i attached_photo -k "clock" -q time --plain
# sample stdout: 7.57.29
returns 9.17.26
